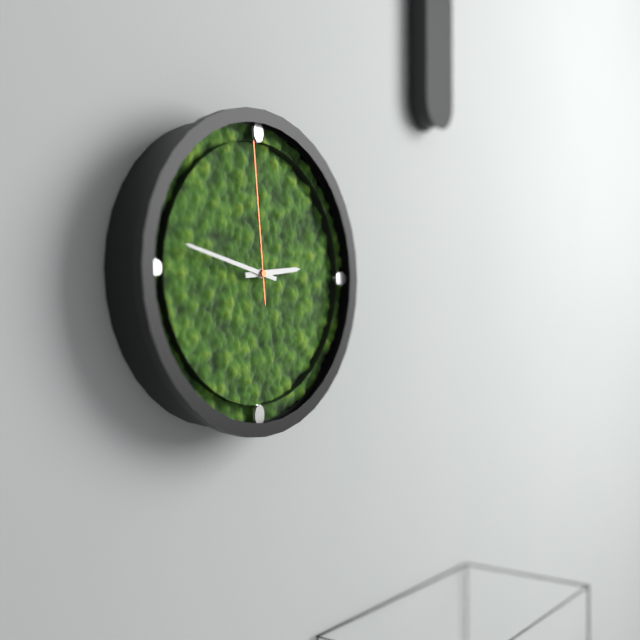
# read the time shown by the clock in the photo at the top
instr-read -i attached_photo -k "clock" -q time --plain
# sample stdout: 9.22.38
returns 2.47.59
